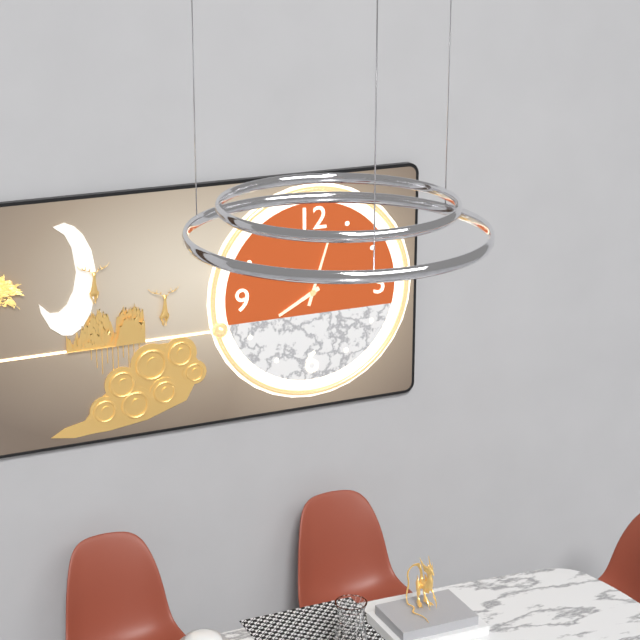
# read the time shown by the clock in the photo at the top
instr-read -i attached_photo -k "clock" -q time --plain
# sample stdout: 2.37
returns 8.03
